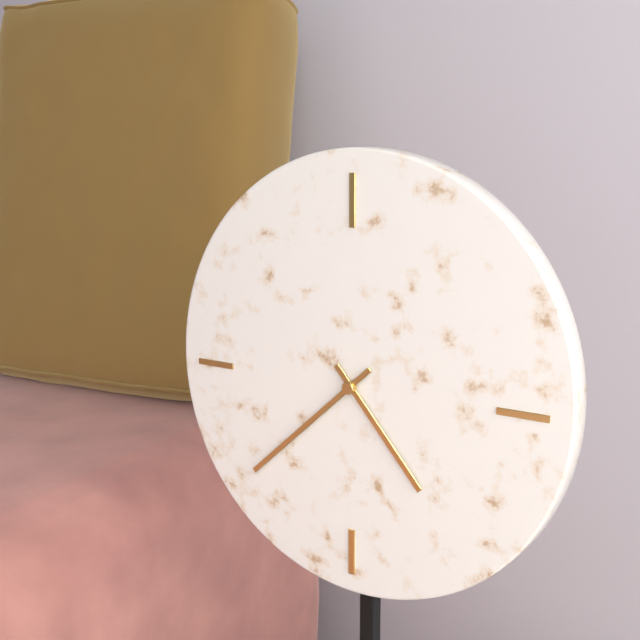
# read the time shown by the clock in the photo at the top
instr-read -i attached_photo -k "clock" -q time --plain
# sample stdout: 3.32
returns 4.38
